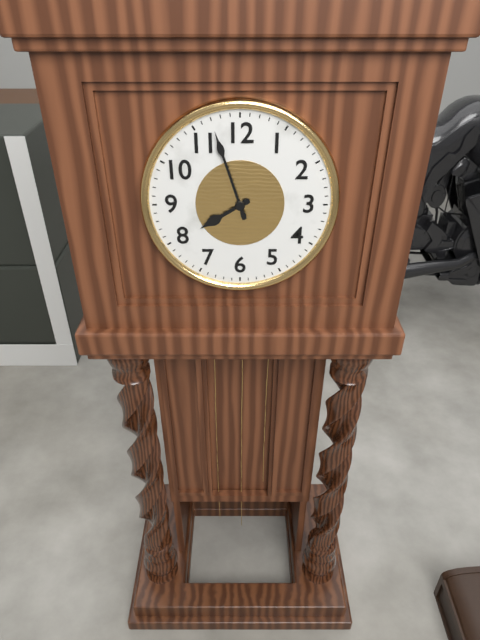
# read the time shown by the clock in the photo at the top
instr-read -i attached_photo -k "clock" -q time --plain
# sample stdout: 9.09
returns 7.57
